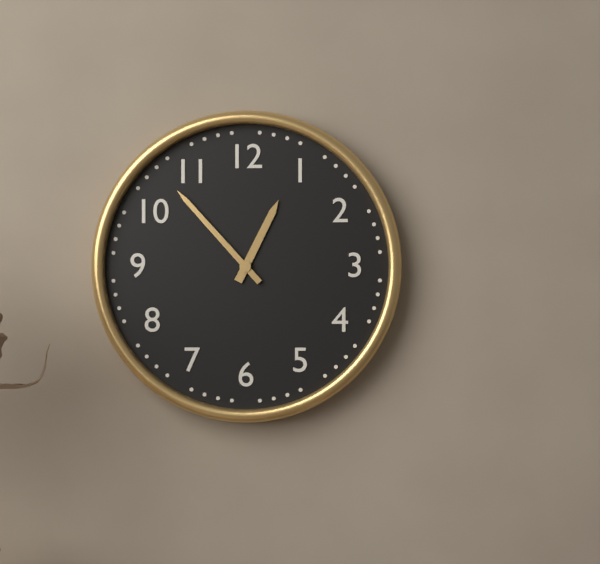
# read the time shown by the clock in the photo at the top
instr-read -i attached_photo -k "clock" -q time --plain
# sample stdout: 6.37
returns 12.53
